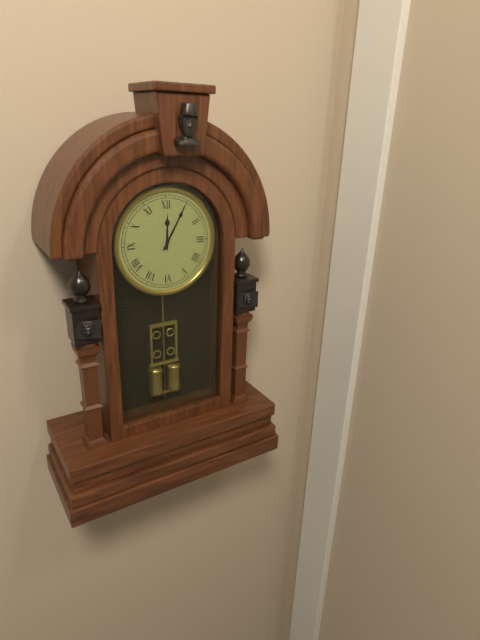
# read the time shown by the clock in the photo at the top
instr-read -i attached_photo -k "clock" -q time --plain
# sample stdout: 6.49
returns 12.05
